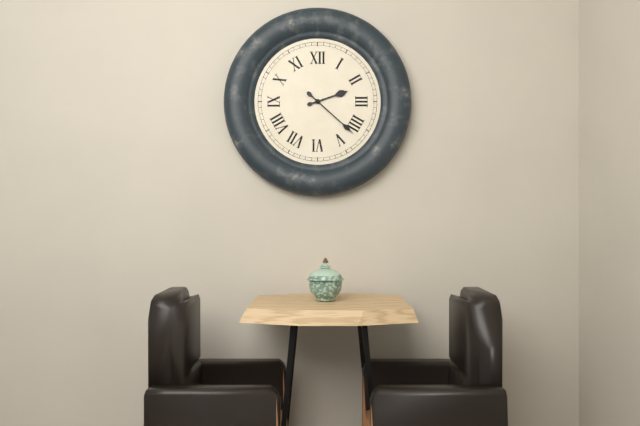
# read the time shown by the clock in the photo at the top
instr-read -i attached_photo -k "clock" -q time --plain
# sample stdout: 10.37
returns 2.22
